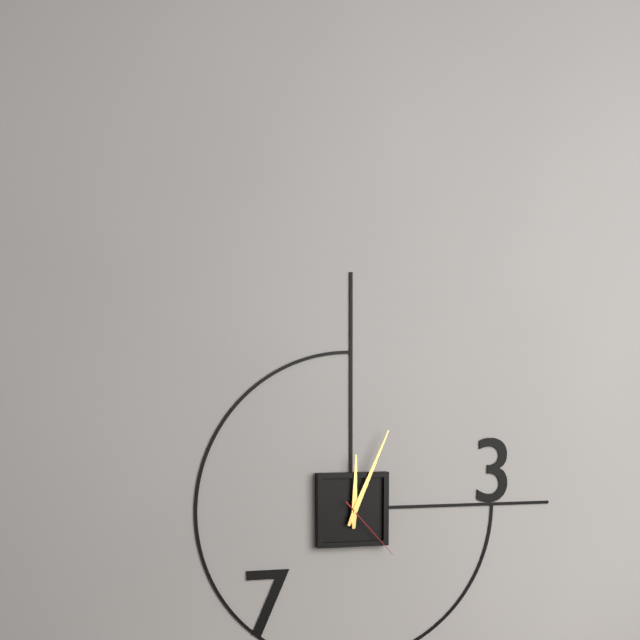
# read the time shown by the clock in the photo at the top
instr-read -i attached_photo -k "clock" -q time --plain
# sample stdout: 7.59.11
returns 12.04.23
